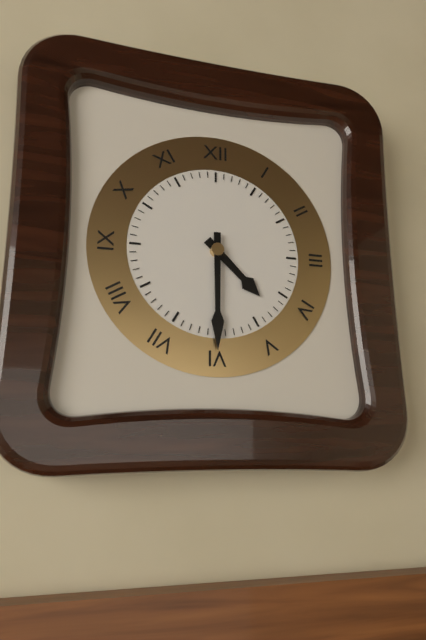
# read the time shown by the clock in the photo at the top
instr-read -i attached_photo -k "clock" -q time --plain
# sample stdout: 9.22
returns 4.30
